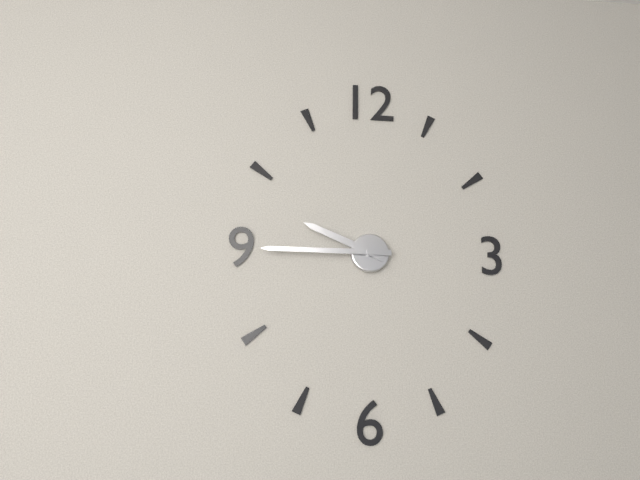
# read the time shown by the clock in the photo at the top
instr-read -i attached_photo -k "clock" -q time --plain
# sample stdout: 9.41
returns 9.45
